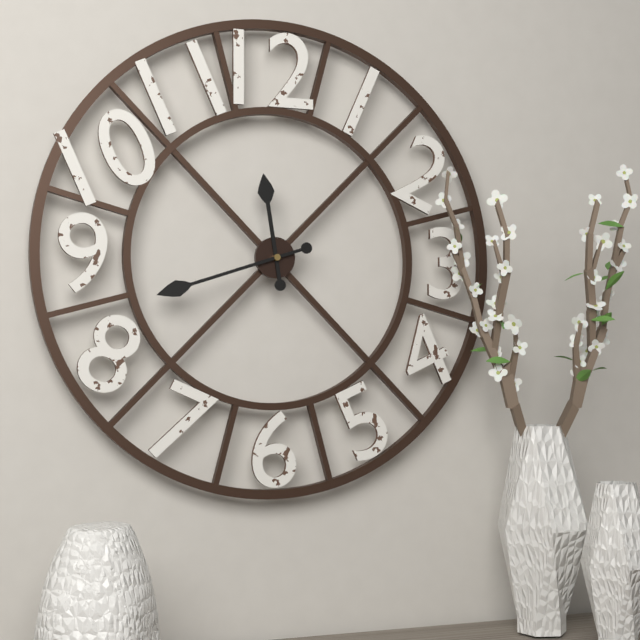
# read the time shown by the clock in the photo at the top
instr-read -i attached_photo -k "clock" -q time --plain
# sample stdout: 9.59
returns 11.42
